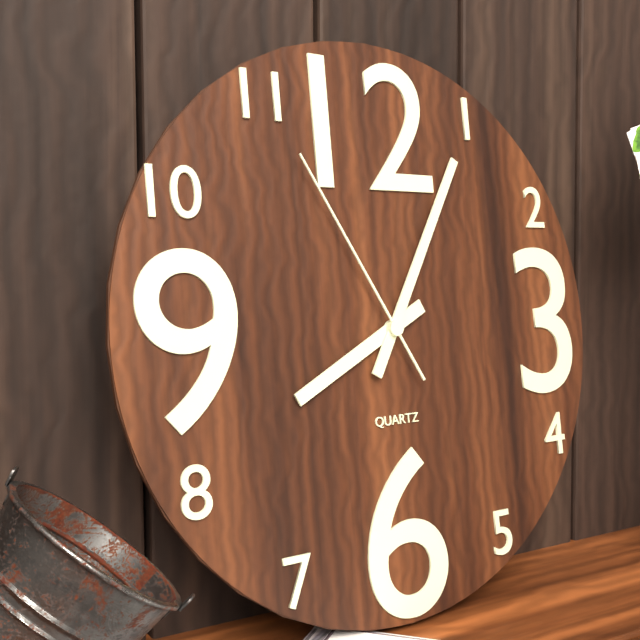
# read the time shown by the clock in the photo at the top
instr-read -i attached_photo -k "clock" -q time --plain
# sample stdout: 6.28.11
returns 8.05.55
